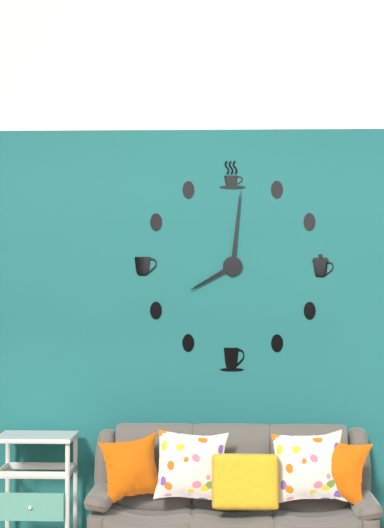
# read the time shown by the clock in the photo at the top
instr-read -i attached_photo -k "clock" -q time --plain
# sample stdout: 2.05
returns 8.01
